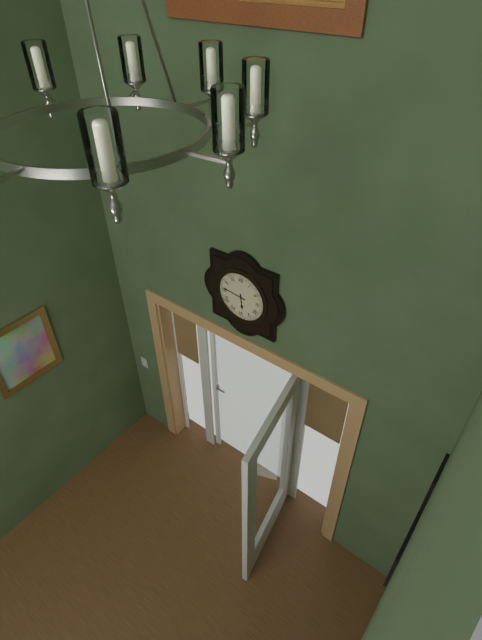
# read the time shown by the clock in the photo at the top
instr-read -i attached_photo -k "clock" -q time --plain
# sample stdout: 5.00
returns 5.46
